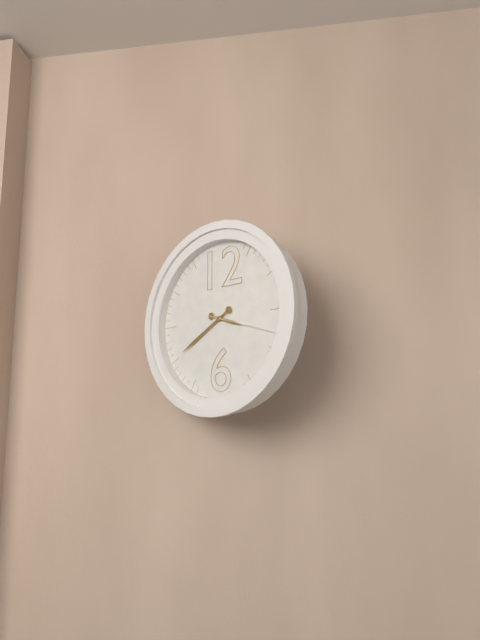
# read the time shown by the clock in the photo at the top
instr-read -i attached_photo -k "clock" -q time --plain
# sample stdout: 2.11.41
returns 3.40.18
